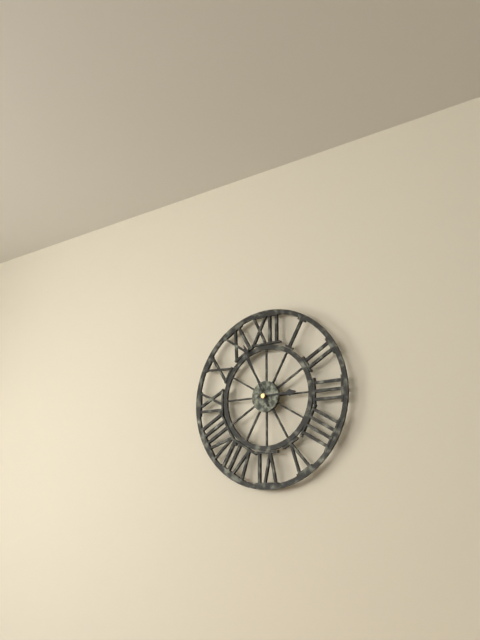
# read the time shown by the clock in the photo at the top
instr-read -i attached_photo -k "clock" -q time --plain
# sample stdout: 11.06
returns 2.56
